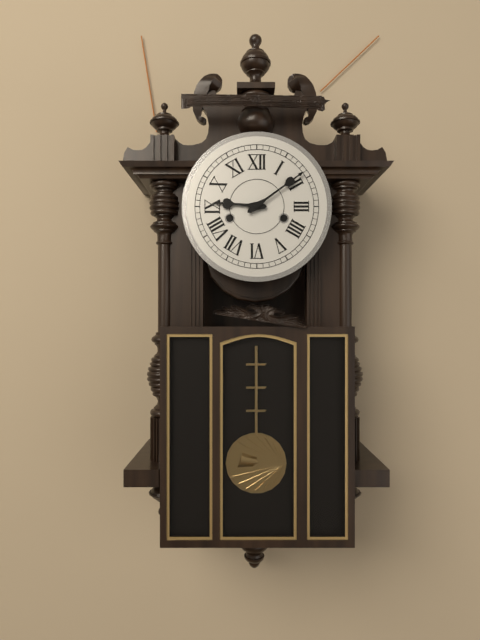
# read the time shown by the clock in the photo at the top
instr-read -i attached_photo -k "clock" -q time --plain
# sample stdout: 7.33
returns 9.09
